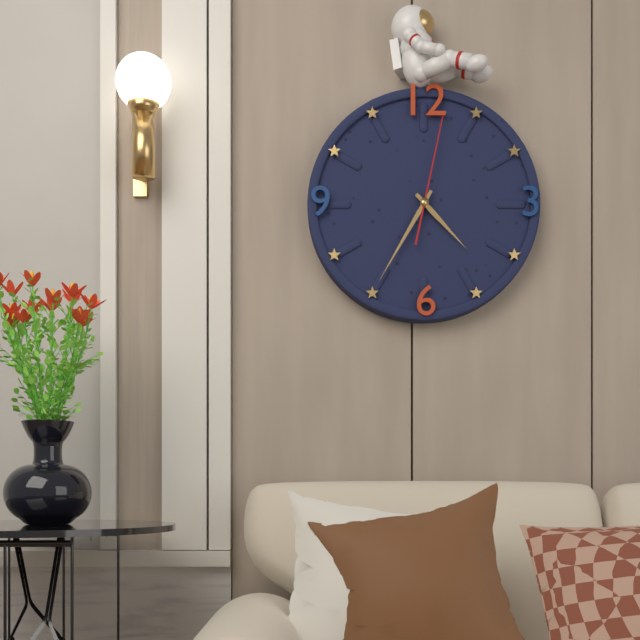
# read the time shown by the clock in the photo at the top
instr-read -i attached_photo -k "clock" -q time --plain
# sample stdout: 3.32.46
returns 4.35.02
